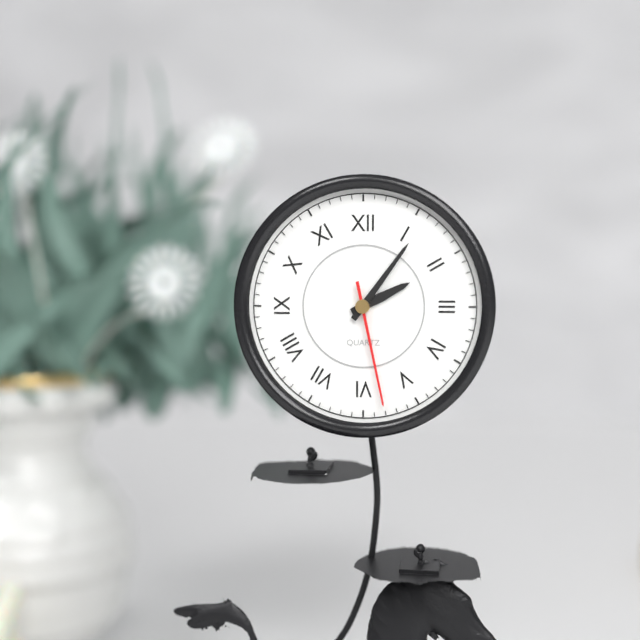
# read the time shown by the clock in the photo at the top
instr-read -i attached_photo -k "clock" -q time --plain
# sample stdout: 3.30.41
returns 2.06.28
